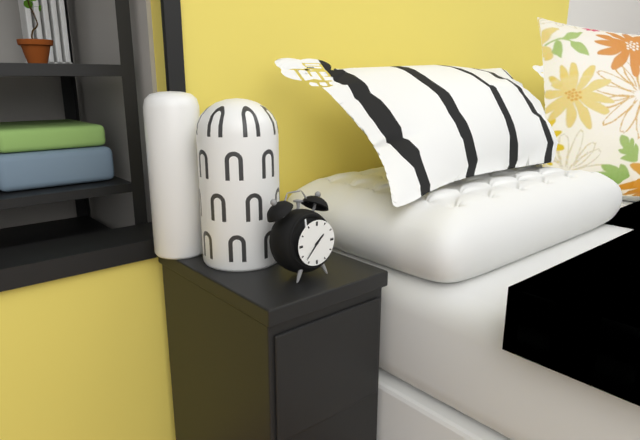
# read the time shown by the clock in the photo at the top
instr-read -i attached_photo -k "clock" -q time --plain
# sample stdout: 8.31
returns 1.37
